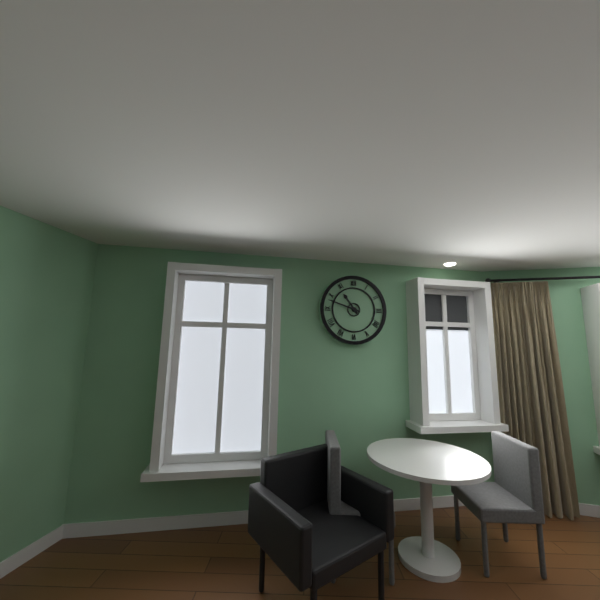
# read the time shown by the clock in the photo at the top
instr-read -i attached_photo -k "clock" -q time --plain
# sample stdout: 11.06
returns 10.48
